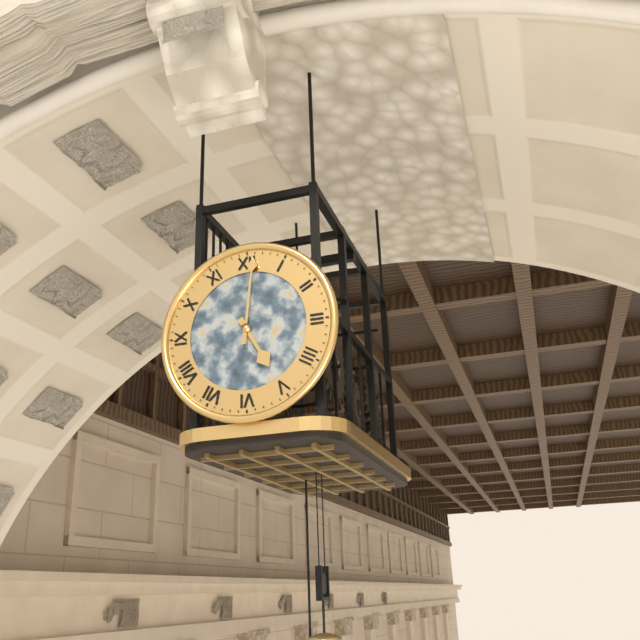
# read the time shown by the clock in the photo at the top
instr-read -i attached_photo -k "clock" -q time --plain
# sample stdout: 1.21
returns 5.01
